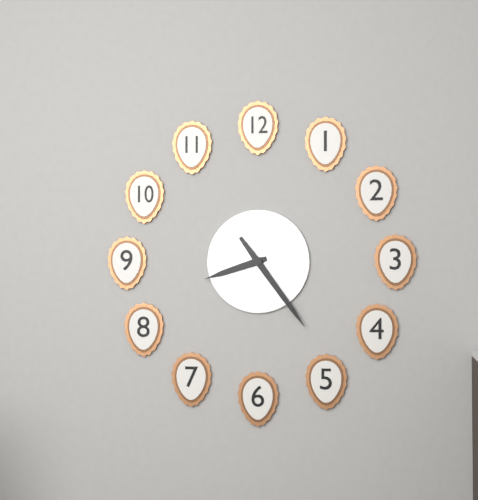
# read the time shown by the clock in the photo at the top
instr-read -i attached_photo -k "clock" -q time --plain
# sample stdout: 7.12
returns 8.24
